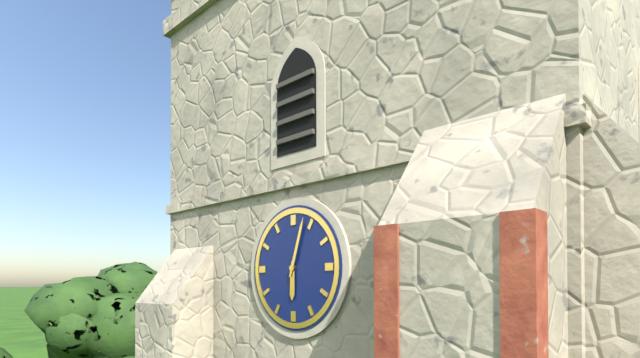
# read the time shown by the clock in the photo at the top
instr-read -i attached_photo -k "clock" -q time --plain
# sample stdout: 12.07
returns 6.03
